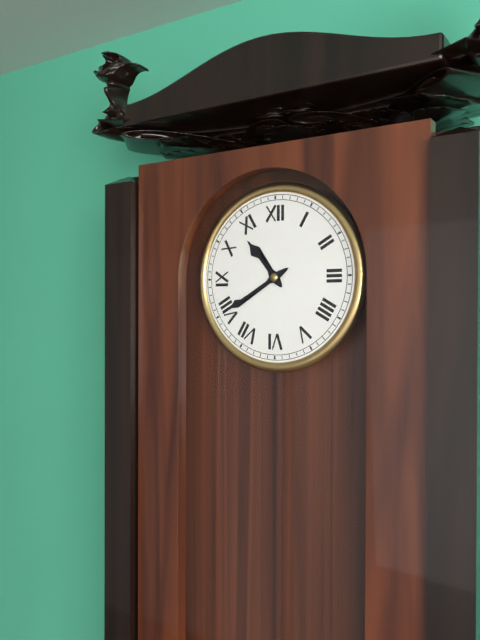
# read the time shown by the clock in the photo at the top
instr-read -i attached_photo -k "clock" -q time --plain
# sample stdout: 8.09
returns 10.40
